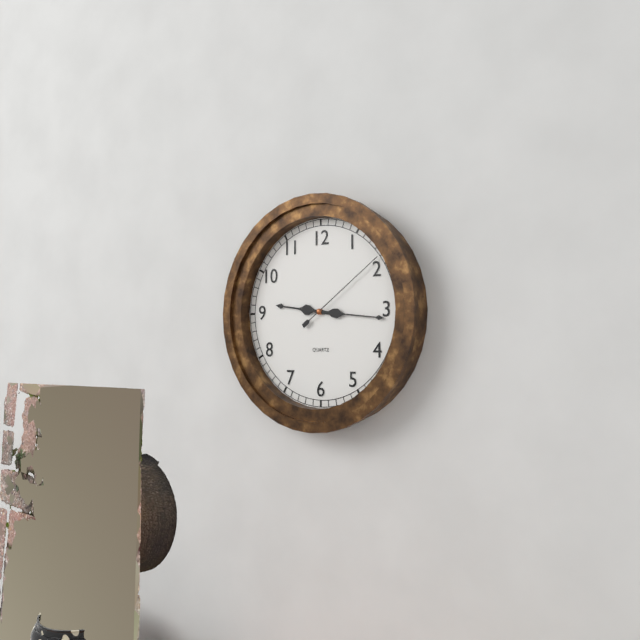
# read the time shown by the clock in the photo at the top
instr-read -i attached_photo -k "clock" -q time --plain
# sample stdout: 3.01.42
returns 9.16.09
